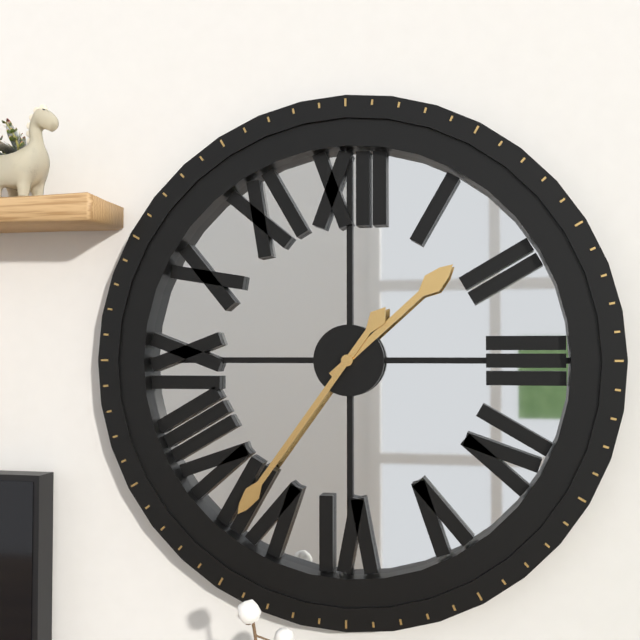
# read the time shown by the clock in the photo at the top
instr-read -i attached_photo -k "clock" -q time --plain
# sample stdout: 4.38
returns 1.36
